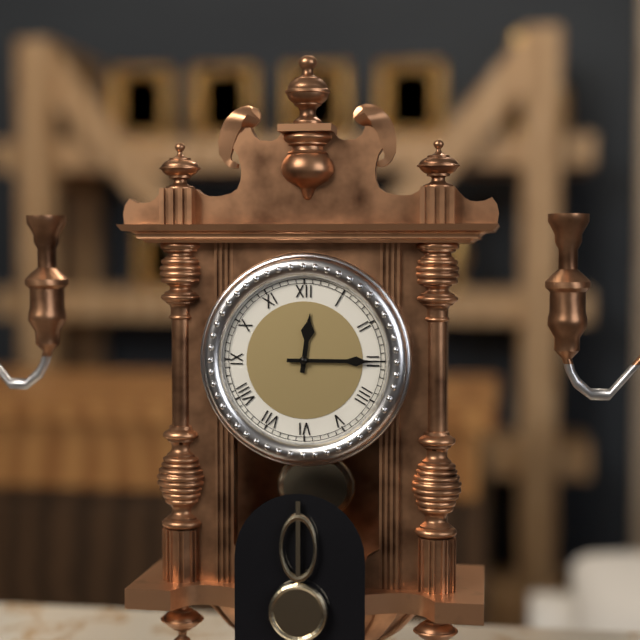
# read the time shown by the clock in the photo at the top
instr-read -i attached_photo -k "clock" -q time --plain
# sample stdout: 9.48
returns 12.15
